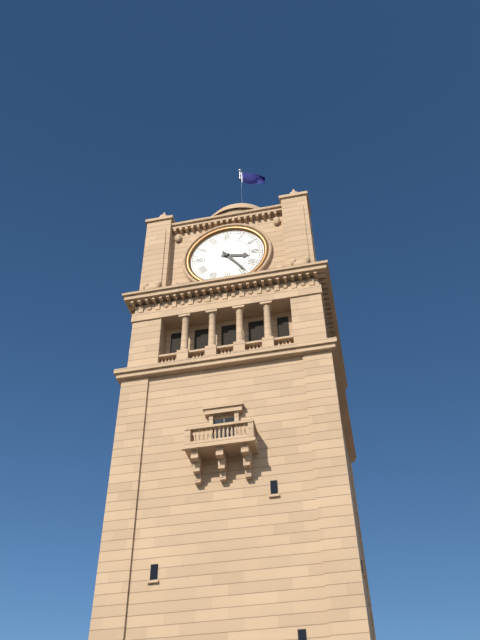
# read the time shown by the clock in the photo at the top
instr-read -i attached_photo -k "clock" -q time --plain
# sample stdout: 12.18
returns 3.24
